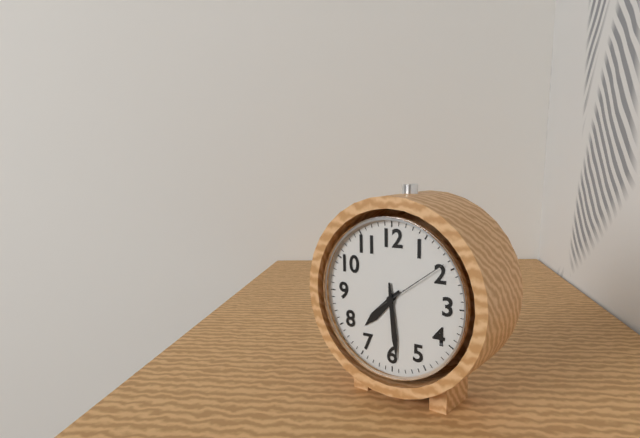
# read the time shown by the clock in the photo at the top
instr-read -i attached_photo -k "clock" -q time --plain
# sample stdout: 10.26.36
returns 7.29.09
